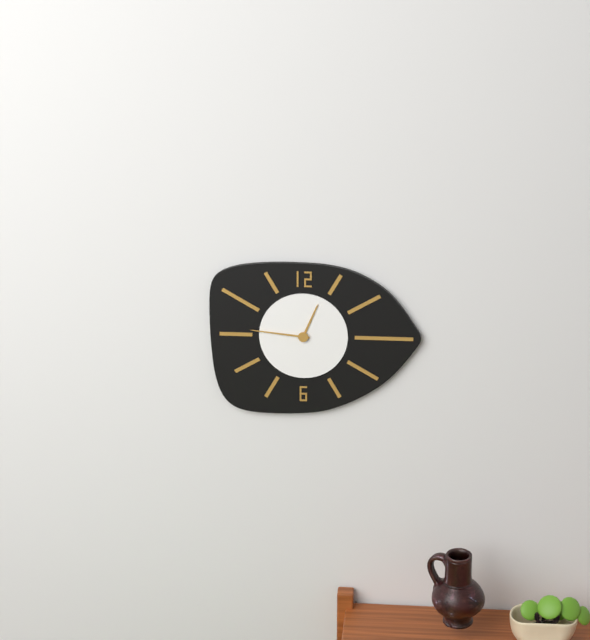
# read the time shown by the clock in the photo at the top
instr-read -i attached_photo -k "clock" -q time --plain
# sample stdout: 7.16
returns 12.46
